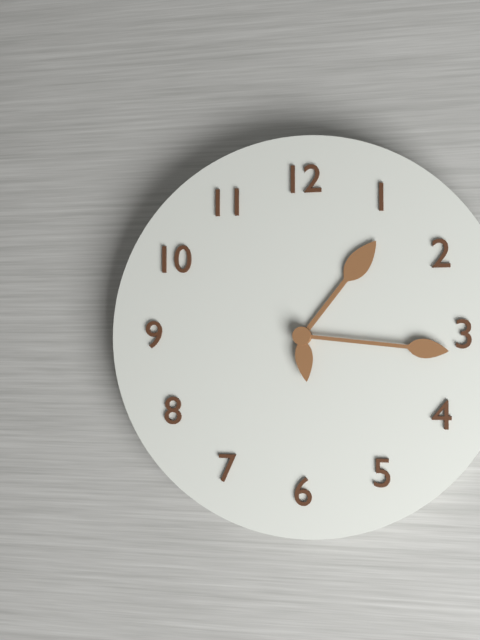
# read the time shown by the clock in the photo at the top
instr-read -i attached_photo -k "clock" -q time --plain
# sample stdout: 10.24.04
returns 1.16.29
